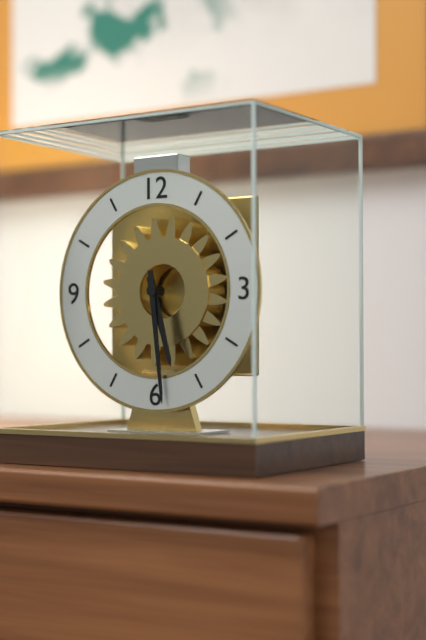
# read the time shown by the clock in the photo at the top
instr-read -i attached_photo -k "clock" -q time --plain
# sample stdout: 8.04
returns 5.29
